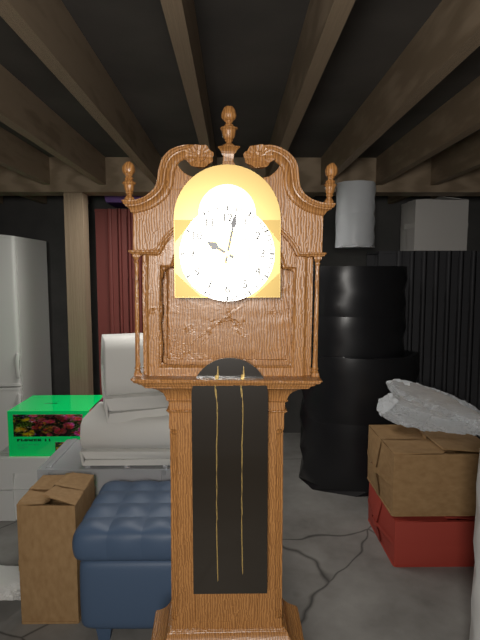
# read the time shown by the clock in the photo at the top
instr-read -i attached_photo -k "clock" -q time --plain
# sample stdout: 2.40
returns 10.02
